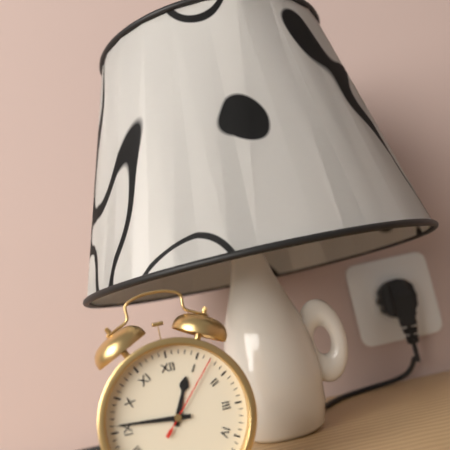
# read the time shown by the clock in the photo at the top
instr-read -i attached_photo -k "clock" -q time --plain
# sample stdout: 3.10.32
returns 12.46.07
